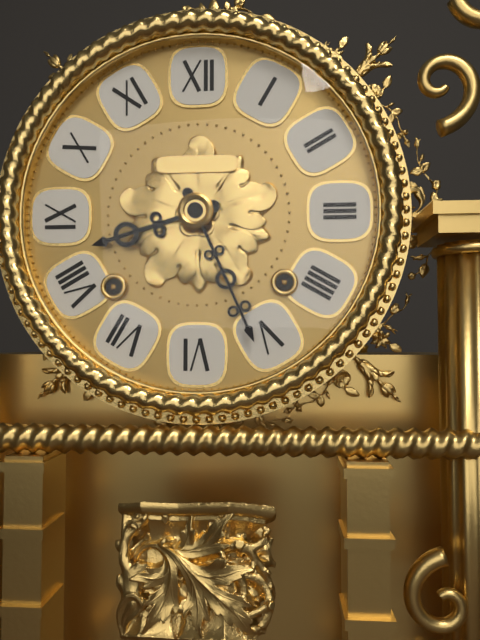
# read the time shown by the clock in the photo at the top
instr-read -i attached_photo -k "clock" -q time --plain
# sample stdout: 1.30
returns 8.26
